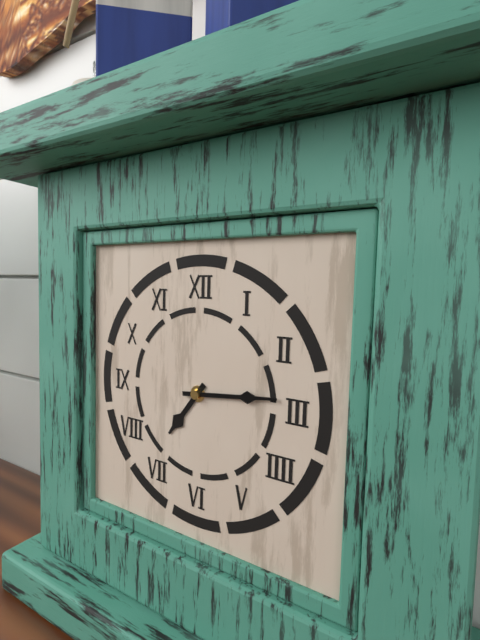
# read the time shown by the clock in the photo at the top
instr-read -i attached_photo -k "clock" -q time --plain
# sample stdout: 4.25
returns 7.14
